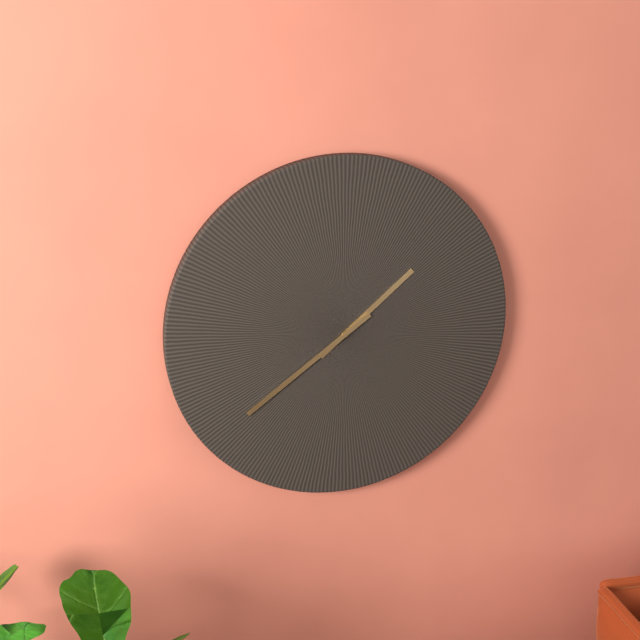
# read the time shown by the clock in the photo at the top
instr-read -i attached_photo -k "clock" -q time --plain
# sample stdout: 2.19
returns 1.39
